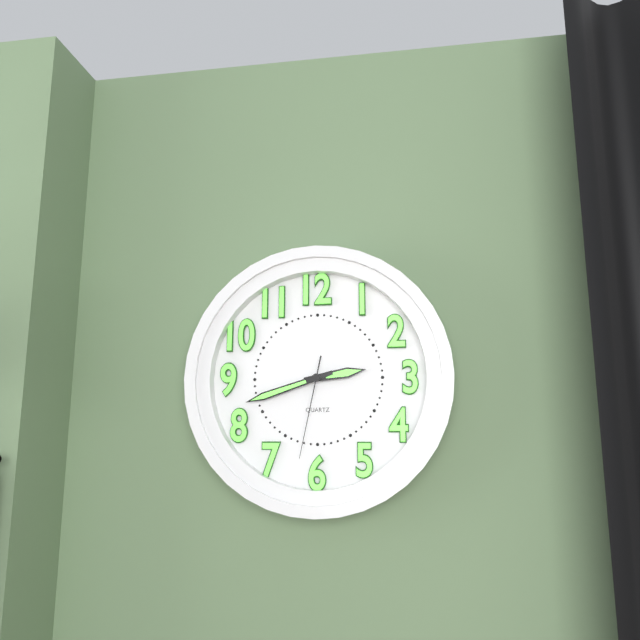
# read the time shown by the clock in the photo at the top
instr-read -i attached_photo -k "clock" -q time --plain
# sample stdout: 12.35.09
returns 2.42.32
